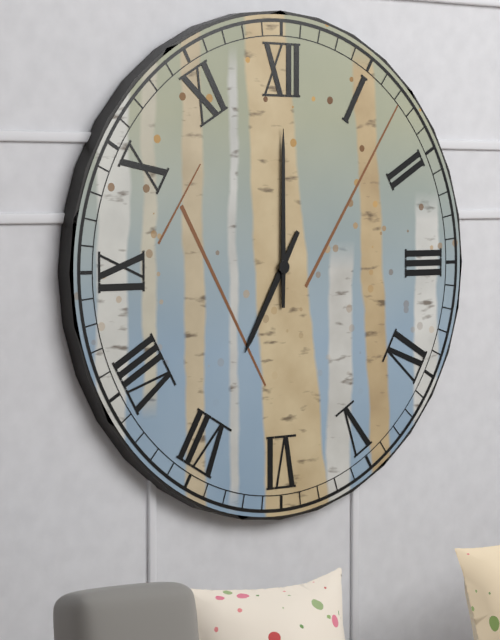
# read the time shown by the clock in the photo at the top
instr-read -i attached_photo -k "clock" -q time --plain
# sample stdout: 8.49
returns 7.00
